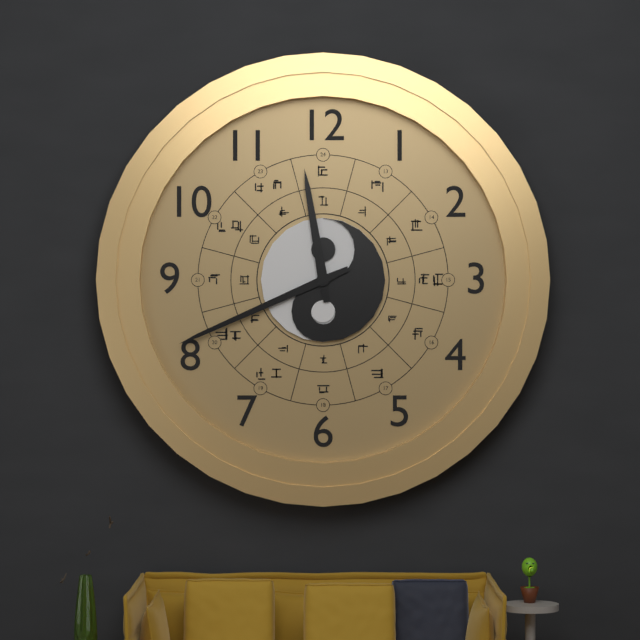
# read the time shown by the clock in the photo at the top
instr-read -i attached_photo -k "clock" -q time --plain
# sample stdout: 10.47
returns 11.41
